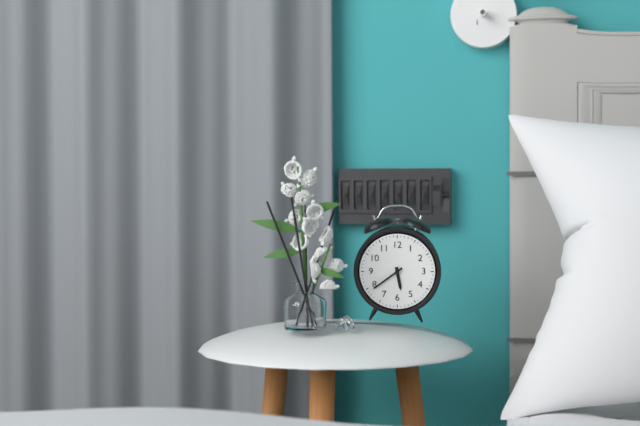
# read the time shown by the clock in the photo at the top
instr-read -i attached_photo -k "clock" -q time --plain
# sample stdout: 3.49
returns 5.39
